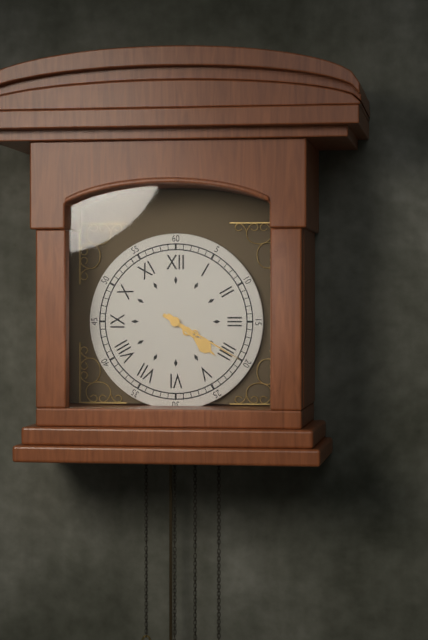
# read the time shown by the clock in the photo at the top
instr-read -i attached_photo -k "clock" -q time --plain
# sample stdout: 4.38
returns 4.20
